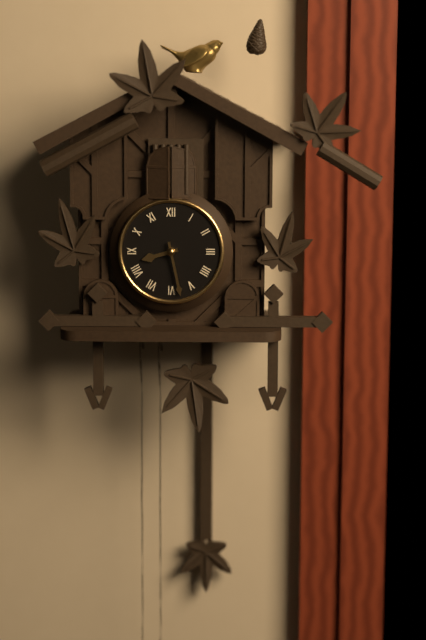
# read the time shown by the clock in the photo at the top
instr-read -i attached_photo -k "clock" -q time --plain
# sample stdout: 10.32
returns 8.28
